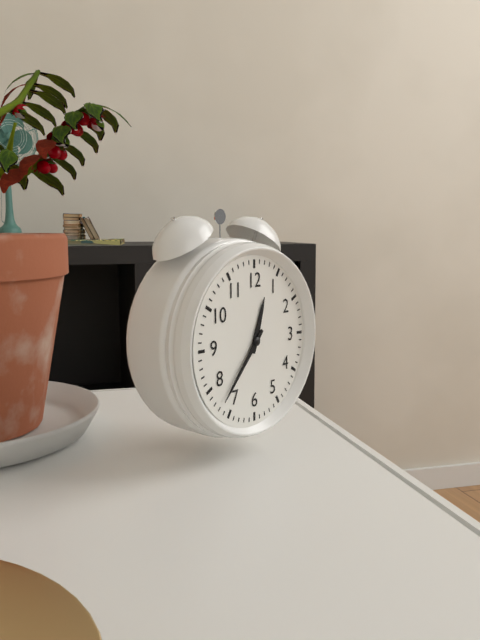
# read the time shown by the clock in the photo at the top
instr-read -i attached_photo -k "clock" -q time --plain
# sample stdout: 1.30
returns 12.37
